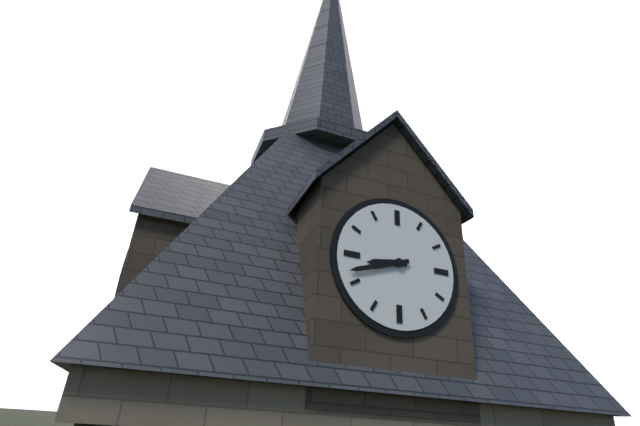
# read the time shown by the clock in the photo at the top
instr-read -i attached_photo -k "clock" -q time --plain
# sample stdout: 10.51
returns 8.42
